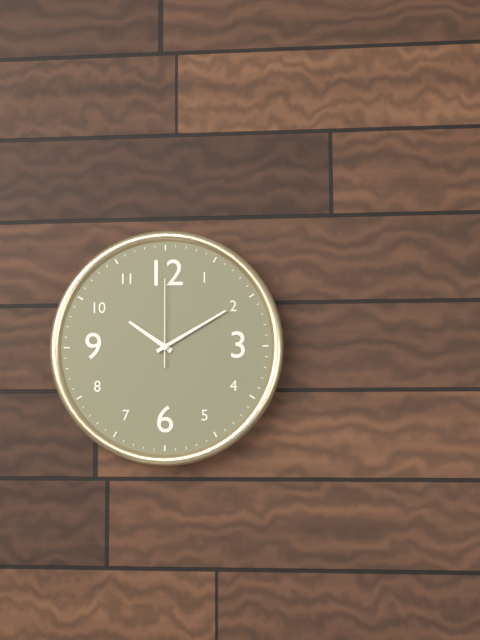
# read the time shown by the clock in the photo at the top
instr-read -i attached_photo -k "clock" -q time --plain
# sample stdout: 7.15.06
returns 10.10.00
